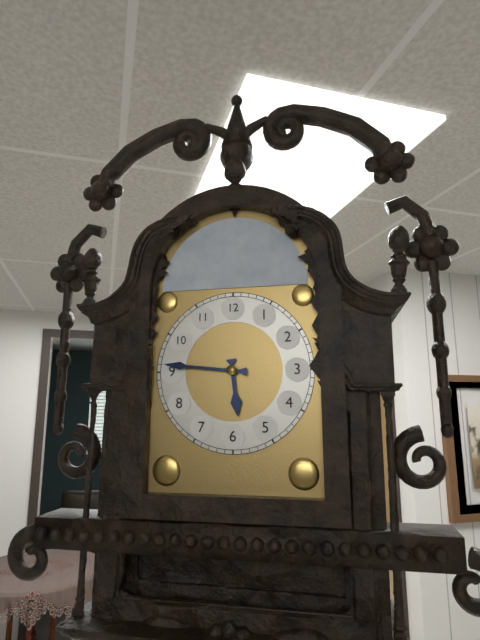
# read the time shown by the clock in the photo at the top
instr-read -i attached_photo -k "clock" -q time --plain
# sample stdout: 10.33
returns 5.46
